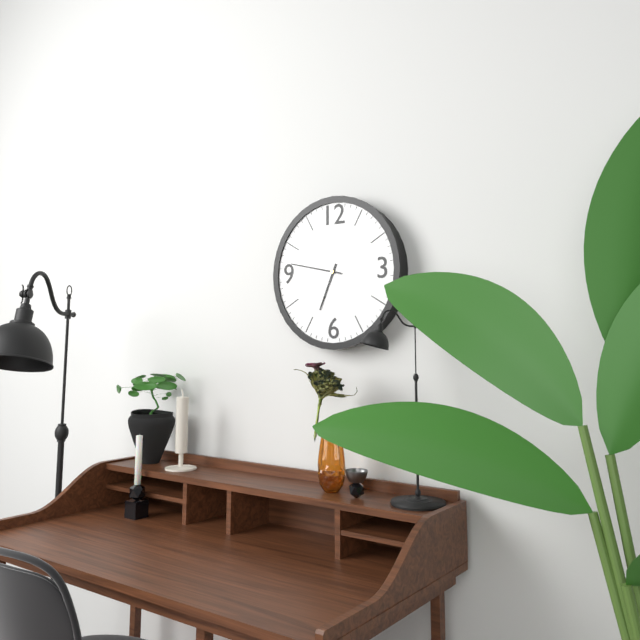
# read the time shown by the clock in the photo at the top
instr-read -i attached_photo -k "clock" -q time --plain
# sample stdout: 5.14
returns 6.47
